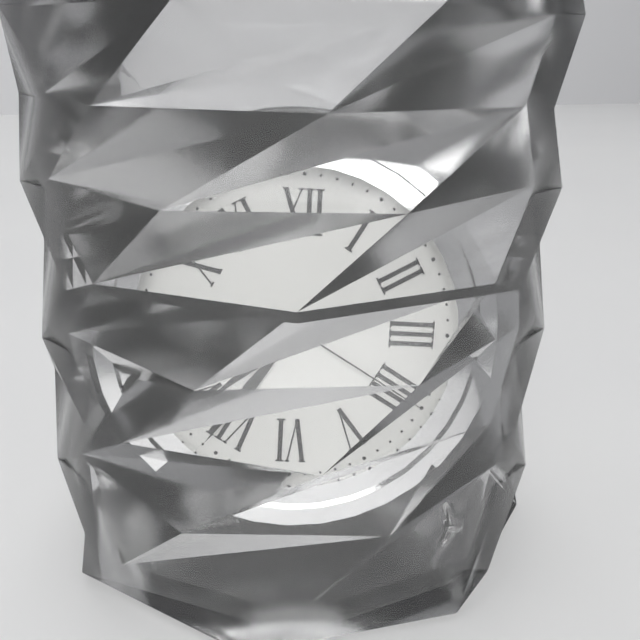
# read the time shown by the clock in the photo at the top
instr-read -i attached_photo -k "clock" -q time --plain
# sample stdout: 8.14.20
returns 7.36.20
